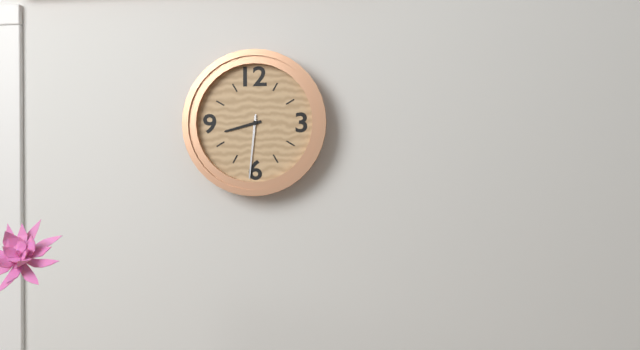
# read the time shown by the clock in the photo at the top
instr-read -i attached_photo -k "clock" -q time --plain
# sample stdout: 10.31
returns 8.31
